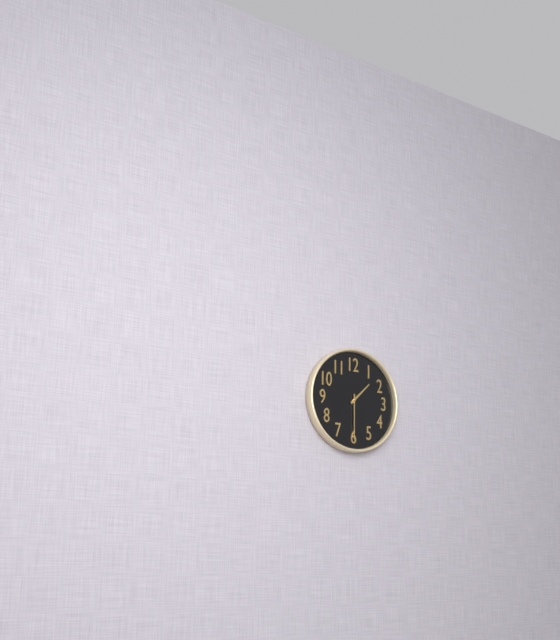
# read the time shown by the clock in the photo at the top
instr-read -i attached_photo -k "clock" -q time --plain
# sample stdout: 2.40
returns 1.30
